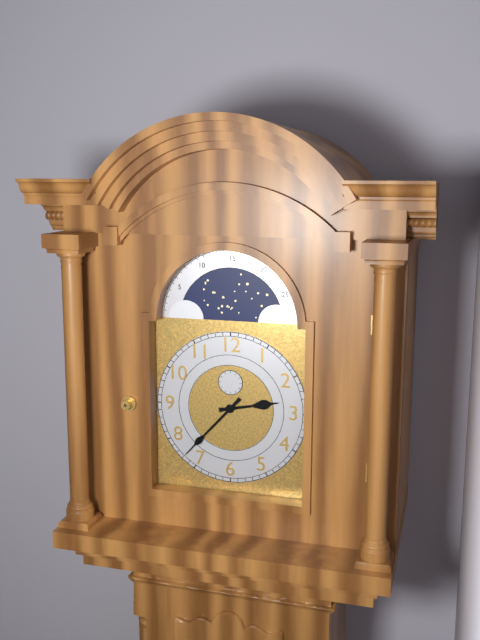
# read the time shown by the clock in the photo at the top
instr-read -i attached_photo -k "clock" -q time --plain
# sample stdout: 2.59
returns 2.37
